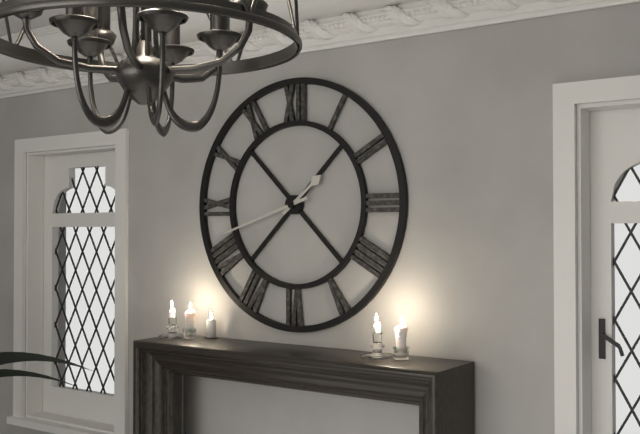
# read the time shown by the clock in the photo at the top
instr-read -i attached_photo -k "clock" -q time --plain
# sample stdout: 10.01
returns 1.42
